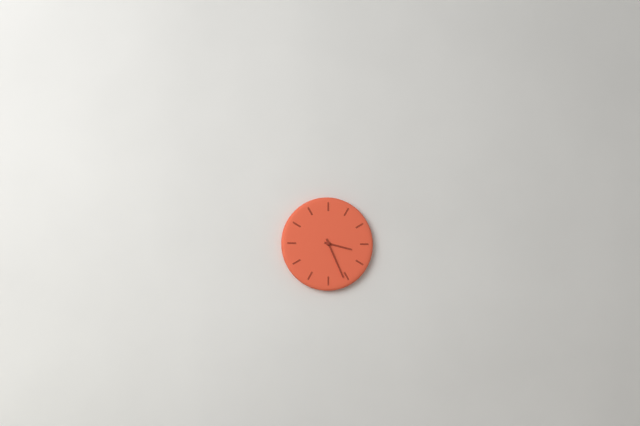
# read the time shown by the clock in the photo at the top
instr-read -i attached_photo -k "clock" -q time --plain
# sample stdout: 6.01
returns 3.26
